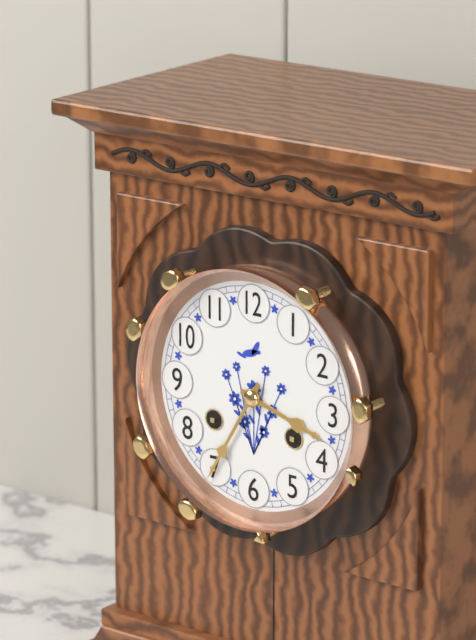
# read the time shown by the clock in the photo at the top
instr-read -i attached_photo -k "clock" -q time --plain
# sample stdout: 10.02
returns 3.35
